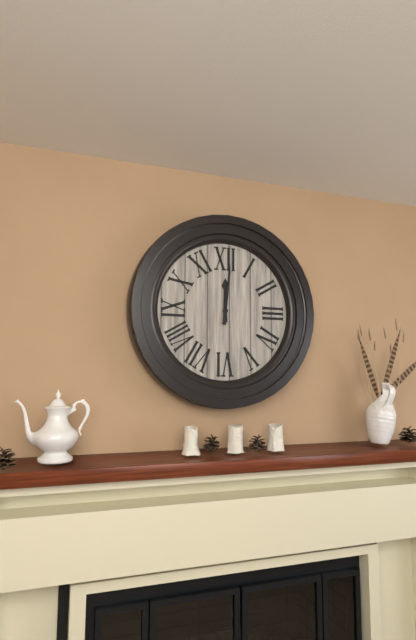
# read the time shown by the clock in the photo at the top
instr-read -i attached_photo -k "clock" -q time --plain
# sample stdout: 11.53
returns 12.01
